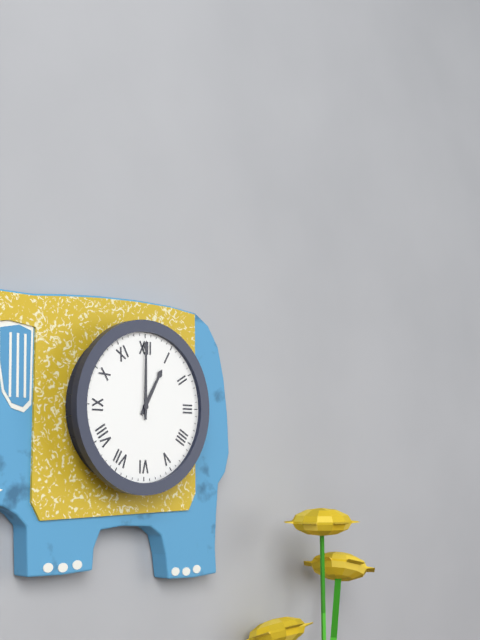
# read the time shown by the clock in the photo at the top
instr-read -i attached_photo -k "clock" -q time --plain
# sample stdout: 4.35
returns 1.00
